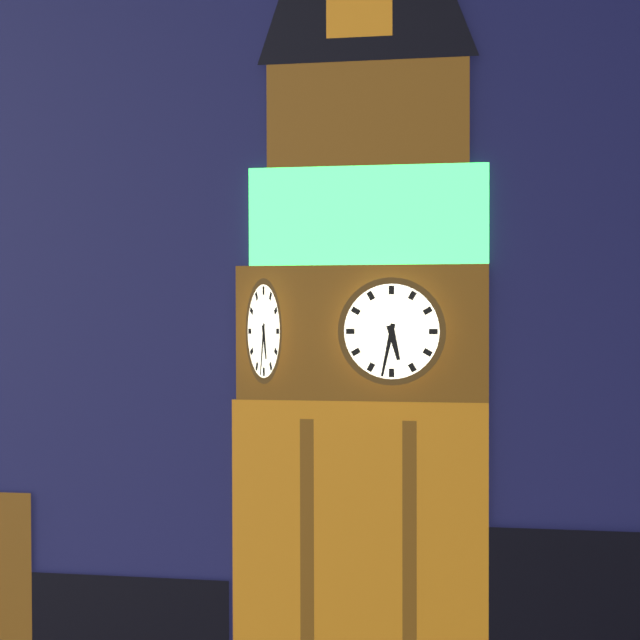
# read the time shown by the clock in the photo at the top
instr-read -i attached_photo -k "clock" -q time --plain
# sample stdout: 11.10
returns 5.32
